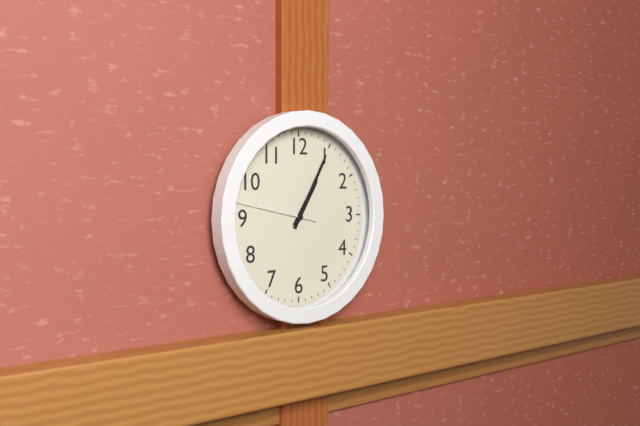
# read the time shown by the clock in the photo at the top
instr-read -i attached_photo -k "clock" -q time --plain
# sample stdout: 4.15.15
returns 1.05.47
